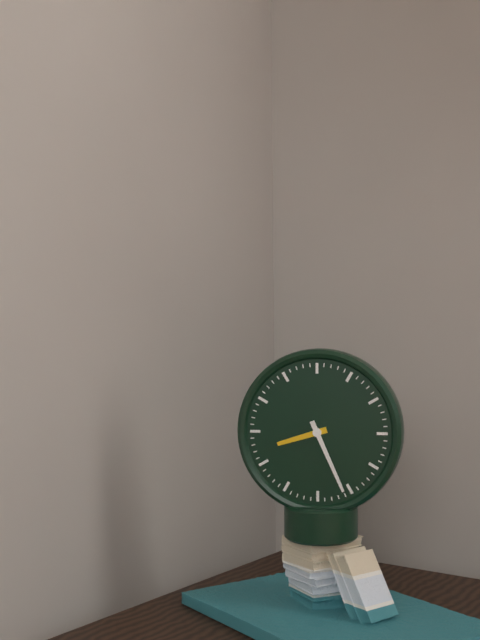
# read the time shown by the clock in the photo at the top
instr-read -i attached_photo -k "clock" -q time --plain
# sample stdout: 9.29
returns 8.26
